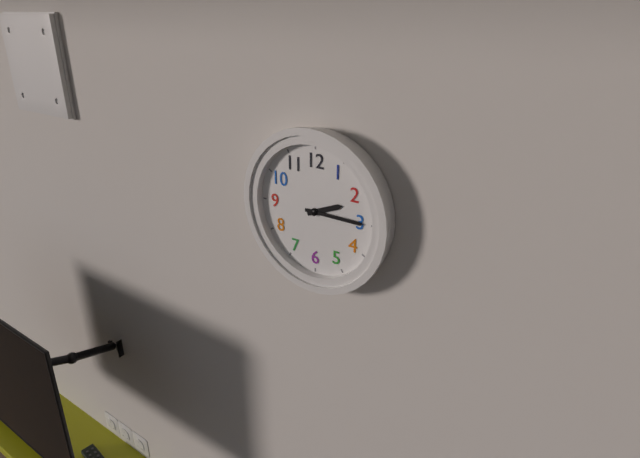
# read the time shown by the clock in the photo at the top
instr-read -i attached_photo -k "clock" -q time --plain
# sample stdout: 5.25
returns 2.15
